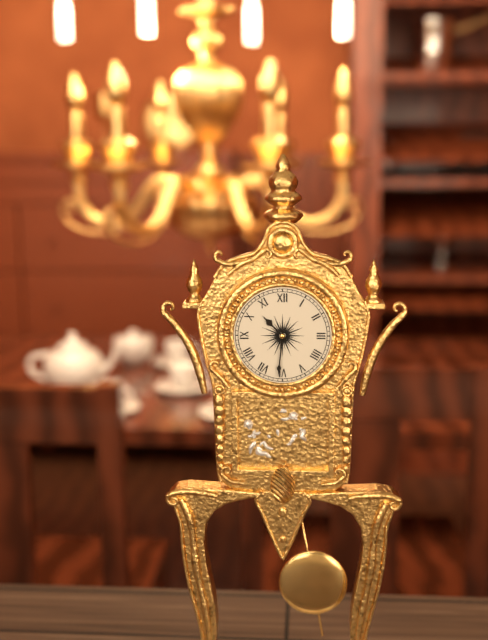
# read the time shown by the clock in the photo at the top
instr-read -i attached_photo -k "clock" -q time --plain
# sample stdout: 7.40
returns 10.31
